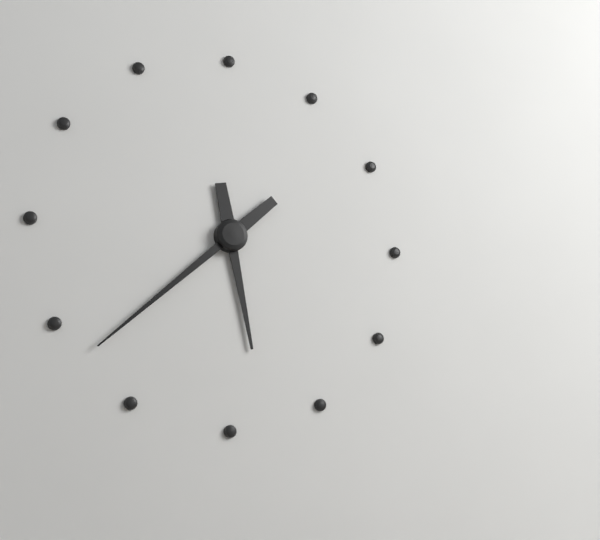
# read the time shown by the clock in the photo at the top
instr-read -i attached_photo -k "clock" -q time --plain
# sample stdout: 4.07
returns 5.38
